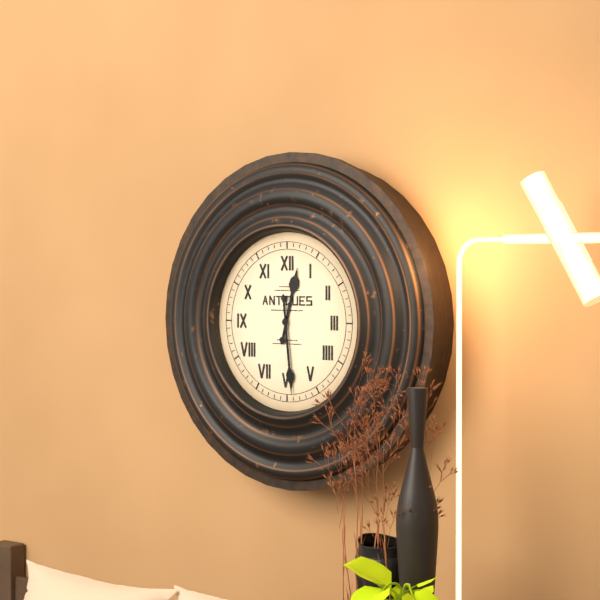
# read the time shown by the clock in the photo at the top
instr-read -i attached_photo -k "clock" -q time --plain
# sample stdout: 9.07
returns 12.29
